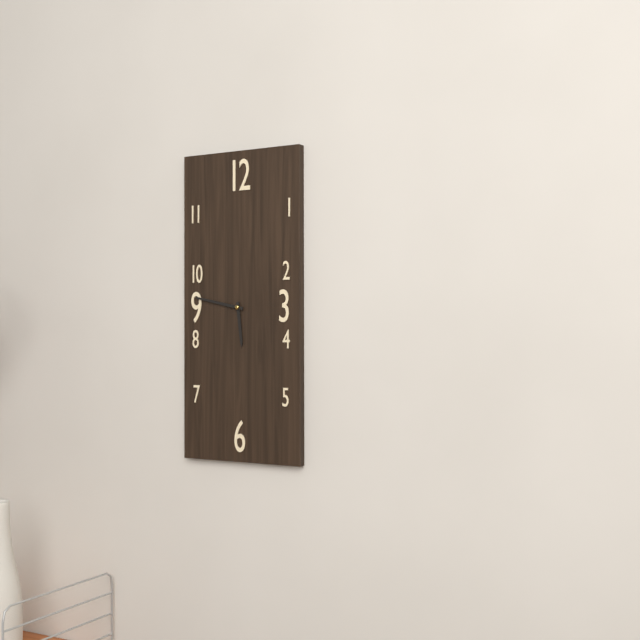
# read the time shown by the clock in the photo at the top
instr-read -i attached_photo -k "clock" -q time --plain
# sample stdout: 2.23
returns 5.47
